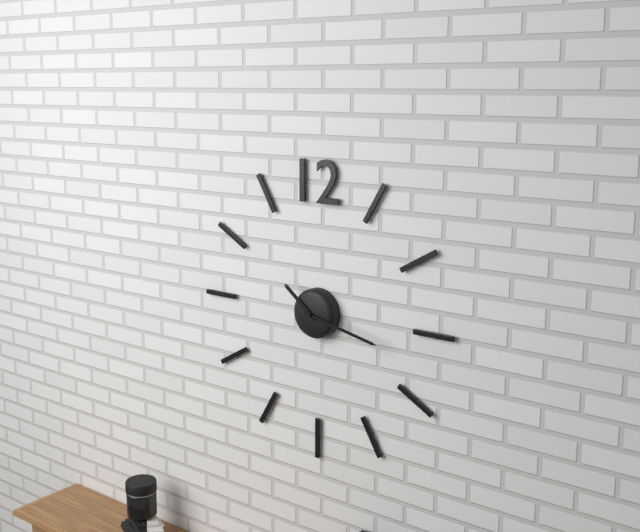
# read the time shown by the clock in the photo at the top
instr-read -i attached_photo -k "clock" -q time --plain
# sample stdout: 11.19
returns 10.17
